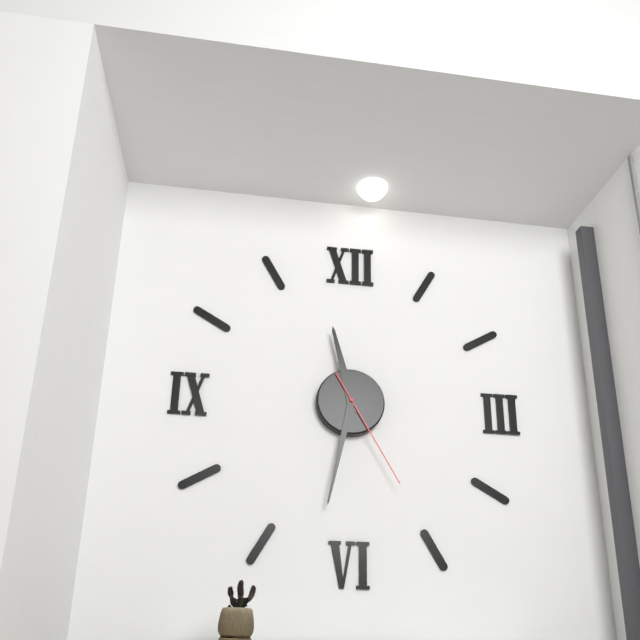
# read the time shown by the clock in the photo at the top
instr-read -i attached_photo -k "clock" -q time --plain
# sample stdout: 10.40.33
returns 11.32.25
